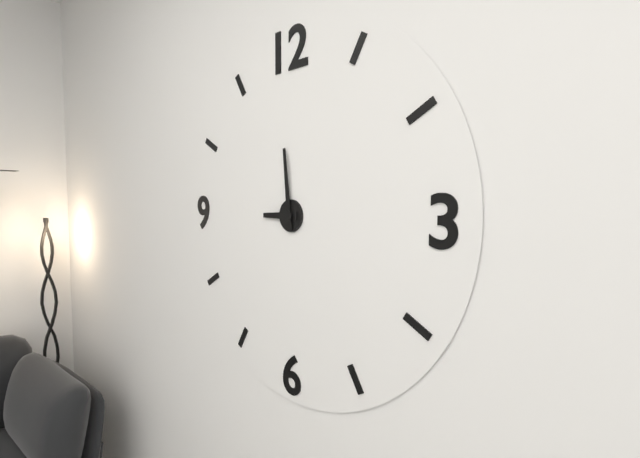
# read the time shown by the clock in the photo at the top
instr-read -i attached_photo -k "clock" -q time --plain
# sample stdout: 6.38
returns 8.59
